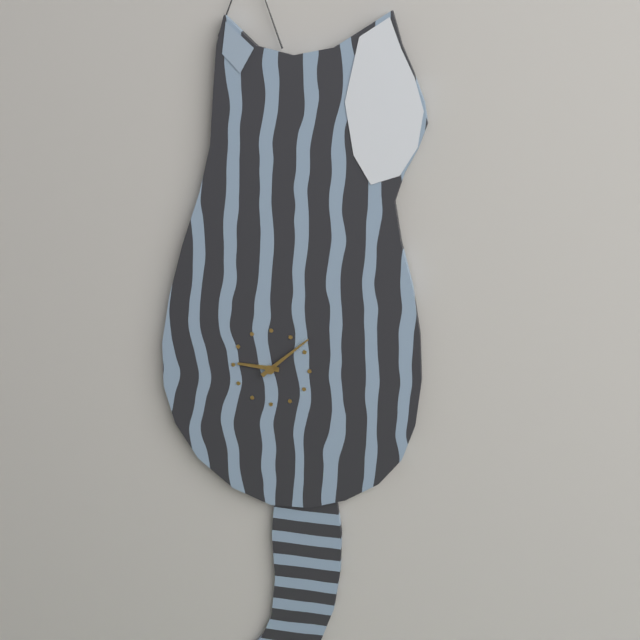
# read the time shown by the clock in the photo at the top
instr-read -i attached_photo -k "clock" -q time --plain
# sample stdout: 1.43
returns 9.08
